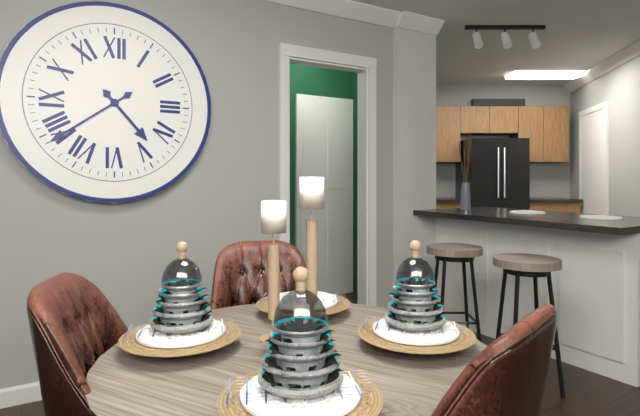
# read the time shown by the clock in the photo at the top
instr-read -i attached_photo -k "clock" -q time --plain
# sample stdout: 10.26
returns 4.39
